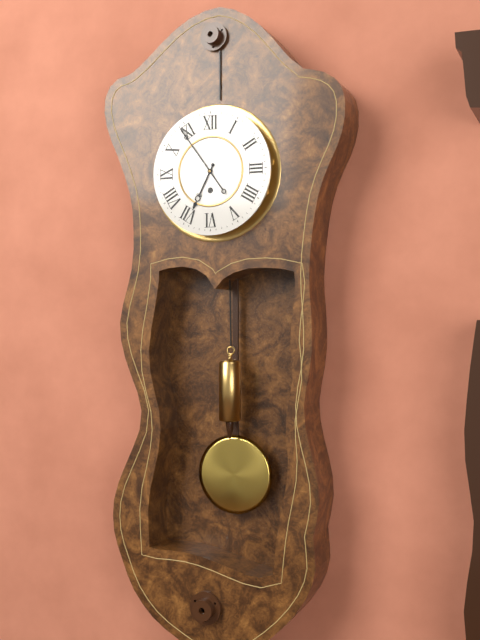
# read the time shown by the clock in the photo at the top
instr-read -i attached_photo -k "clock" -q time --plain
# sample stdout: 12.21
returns 6.54
